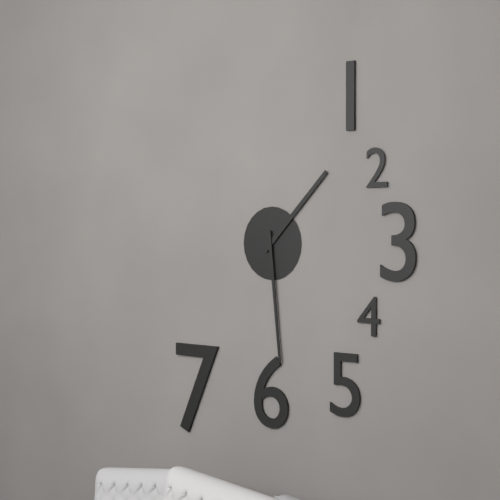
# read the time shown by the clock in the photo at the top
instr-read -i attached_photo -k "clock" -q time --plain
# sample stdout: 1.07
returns 1.29
